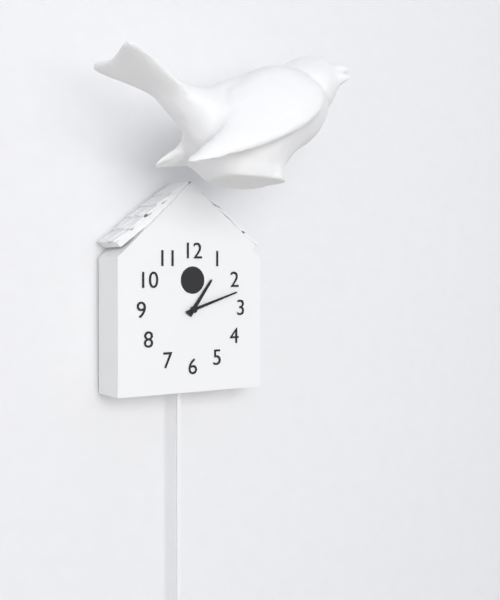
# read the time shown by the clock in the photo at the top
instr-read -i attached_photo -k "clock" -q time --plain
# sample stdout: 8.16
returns 1.12
